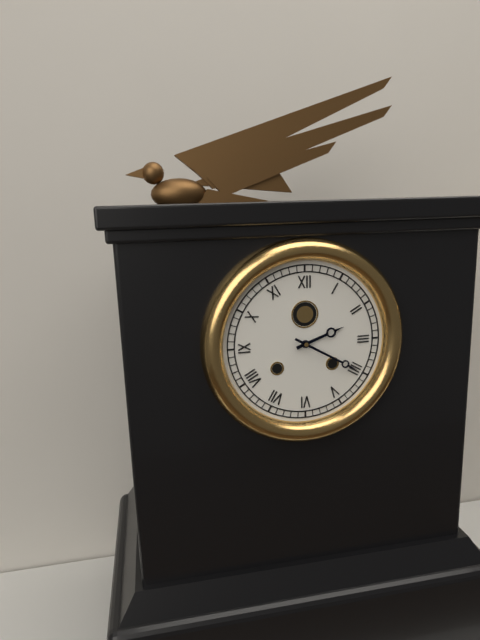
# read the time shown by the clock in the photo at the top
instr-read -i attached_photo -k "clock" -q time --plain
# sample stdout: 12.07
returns 2.20
